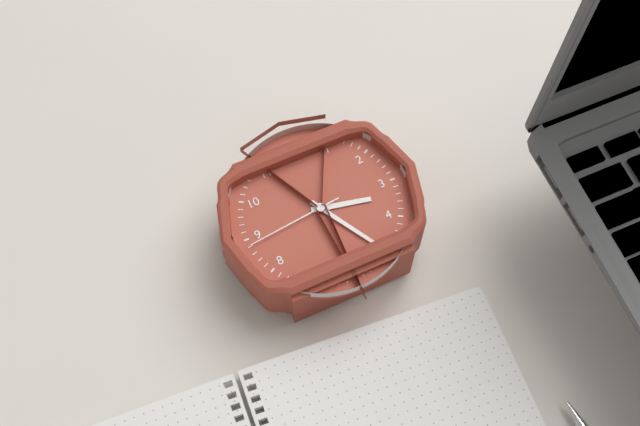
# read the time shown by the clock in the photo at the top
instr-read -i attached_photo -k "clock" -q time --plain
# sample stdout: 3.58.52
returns 3.25.44
